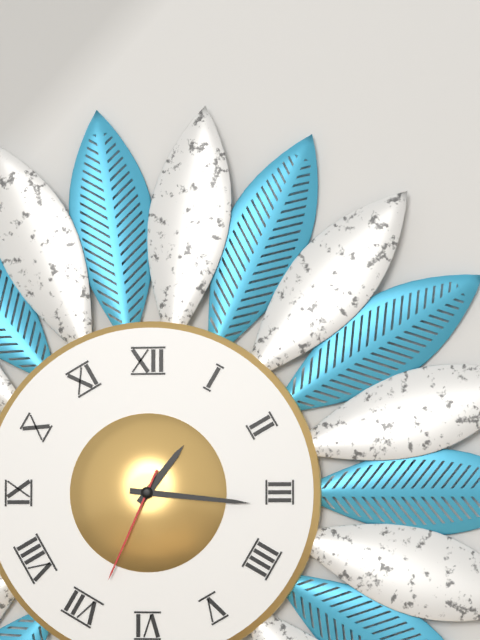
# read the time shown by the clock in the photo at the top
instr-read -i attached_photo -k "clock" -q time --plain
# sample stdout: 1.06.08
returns 1.16.34
